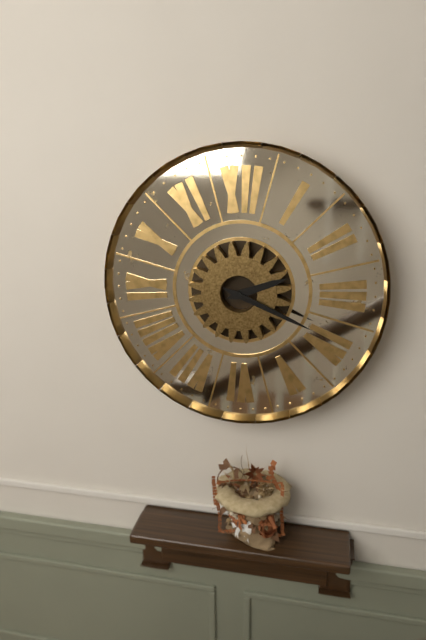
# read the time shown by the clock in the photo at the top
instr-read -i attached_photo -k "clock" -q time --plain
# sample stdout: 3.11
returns 2.19
